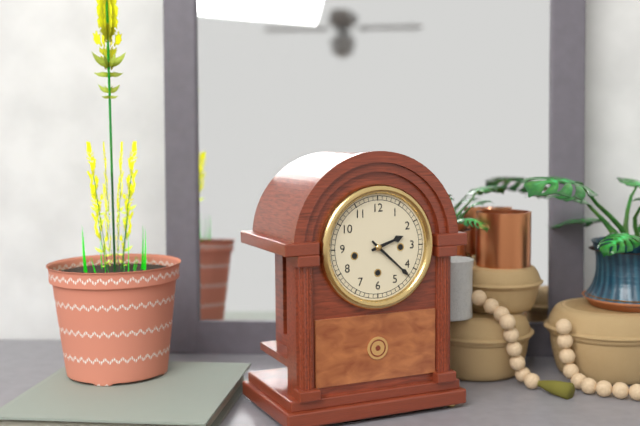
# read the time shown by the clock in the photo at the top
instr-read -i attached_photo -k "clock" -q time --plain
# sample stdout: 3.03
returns 2.22
